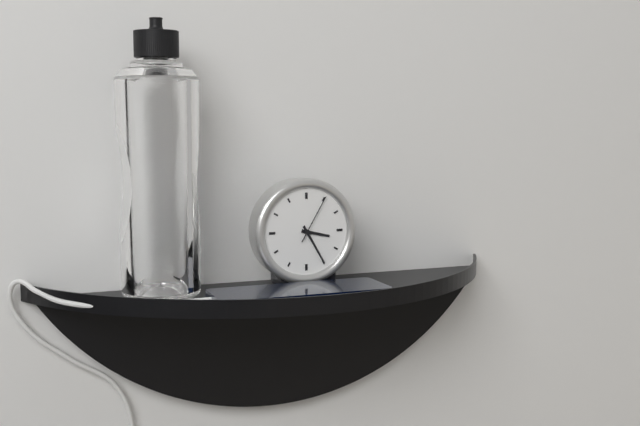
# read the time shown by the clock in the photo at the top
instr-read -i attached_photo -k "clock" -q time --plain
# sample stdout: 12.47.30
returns 3.25.05
